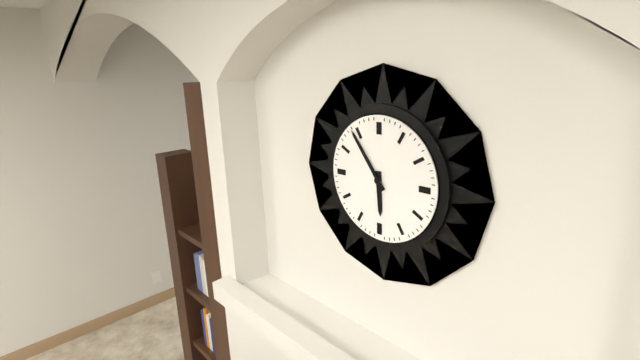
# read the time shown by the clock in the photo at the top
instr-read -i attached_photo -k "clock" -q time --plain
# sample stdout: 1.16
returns 5.54
